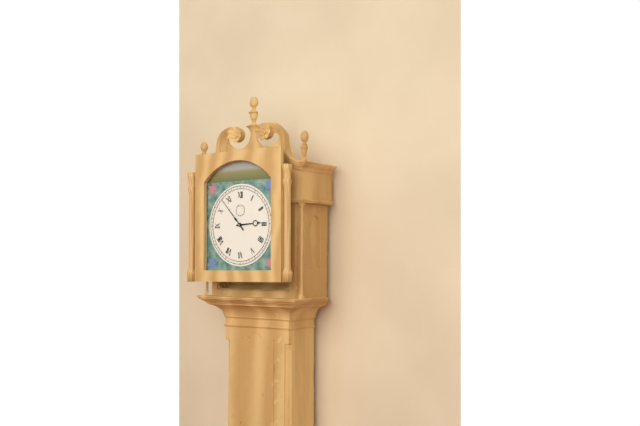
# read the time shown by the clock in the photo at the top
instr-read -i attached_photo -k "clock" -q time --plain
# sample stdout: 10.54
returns 2.53
